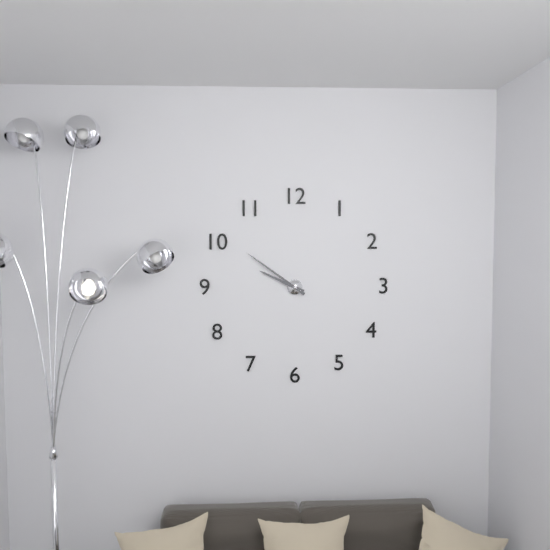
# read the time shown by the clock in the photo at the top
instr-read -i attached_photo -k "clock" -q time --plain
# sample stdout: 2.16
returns 9.51
